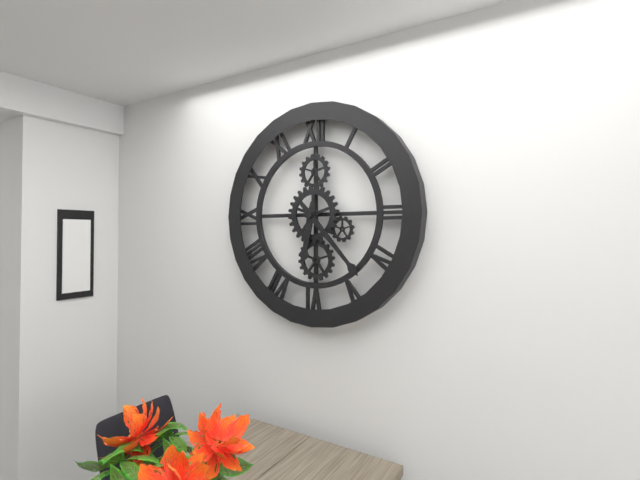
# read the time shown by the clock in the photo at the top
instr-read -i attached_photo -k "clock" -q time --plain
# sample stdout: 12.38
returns 6.23
